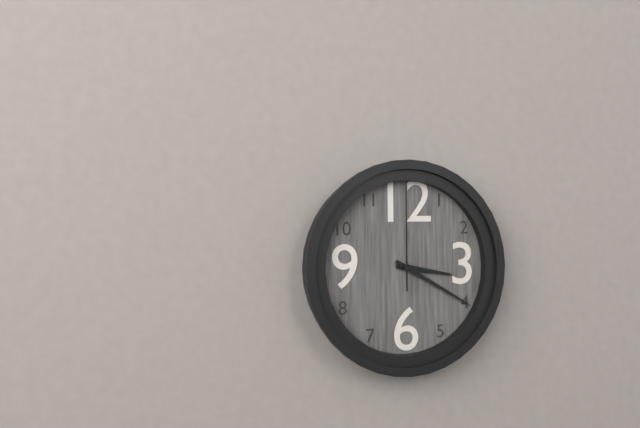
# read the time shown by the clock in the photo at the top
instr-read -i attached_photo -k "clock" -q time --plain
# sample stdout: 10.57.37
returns 3.20.00
